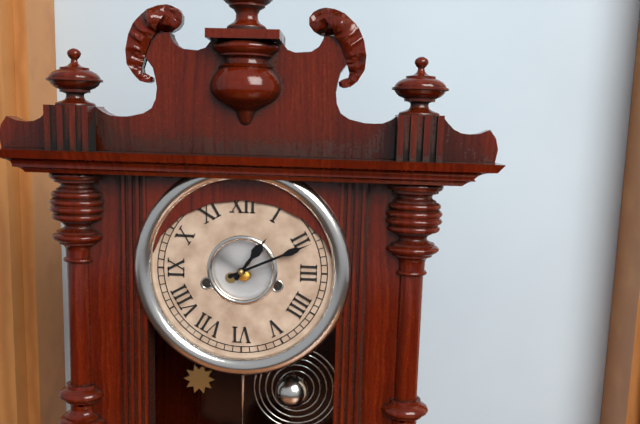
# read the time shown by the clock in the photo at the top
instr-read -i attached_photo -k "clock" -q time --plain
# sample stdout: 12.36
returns 1.11
